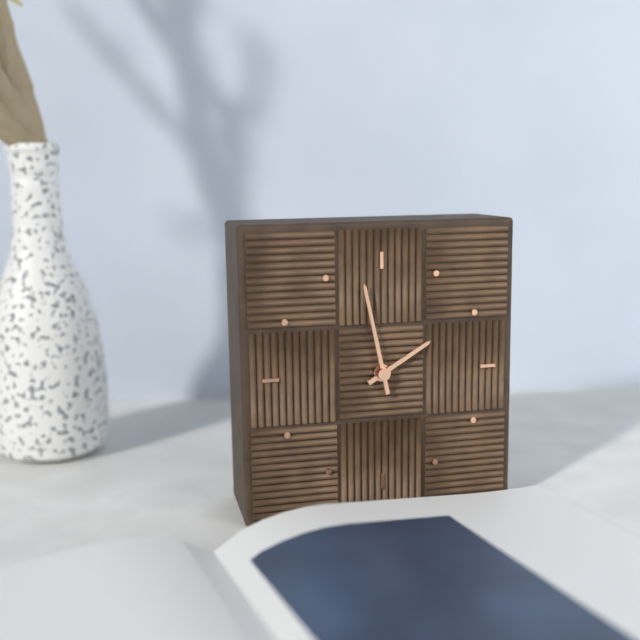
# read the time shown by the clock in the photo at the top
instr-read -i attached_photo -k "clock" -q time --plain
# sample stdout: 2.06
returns 1.58
